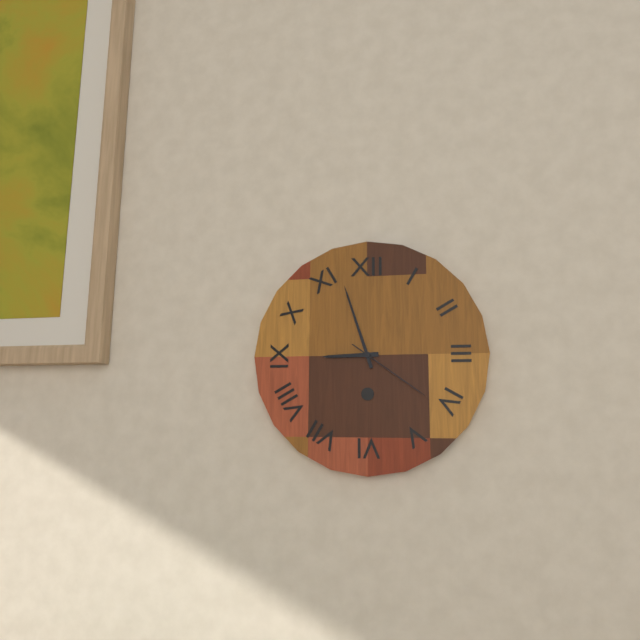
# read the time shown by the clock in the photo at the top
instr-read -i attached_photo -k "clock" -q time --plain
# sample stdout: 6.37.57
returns 8.57.21
